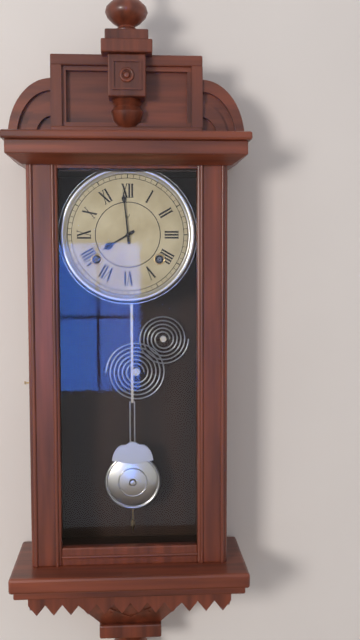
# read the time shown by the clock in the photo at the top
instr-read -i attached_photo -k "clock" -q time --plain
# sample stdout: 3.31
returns 7.59
